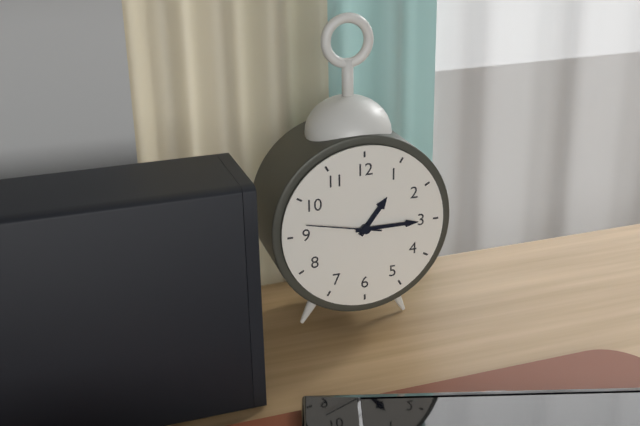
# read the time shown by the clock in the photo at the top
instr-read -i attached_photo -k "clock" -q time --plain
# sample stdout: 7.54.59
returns 1.15.47
